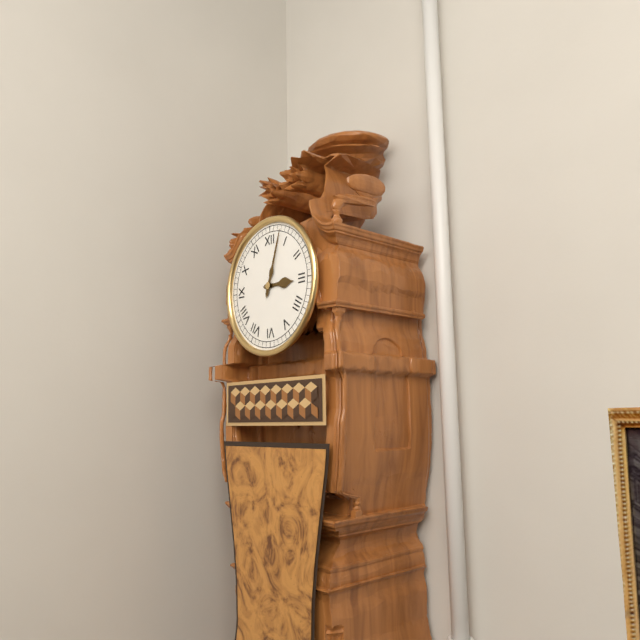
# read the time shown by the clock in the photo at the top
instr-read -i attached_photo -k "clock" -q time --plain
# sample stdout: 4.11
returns 3.03
